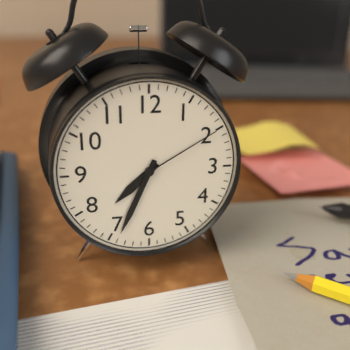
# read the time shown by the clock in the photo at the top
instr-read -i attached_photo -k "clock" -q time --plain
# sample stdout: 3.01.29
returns 7.34.10
